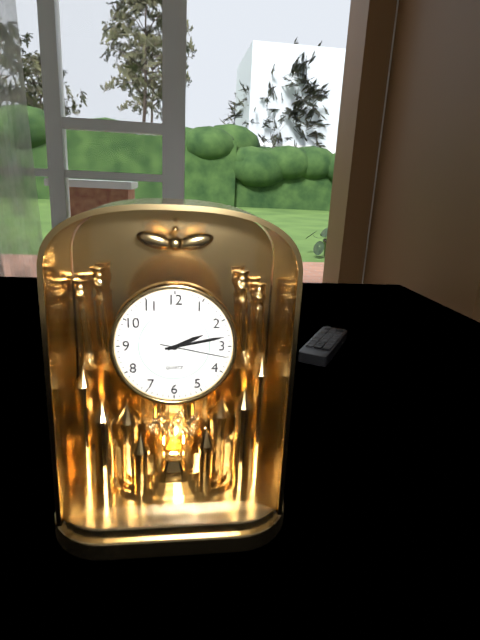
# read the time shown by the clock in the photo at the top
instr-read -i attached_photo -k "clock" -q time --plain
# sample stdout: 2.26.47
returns 2.13.17
